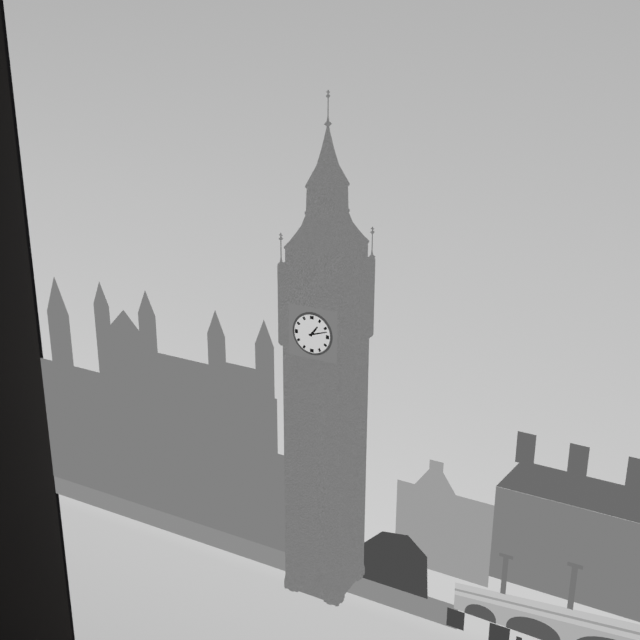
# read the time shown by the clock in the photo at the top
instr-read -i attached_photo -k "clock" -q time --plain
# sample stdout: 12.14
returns 1.12
